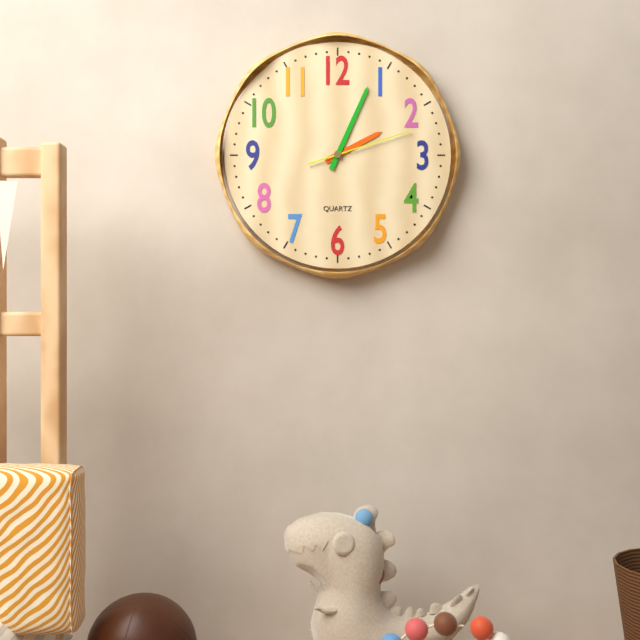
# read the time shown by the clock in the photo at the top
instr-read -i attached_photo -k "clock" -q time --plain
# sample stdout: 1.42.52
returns 2.04.12
